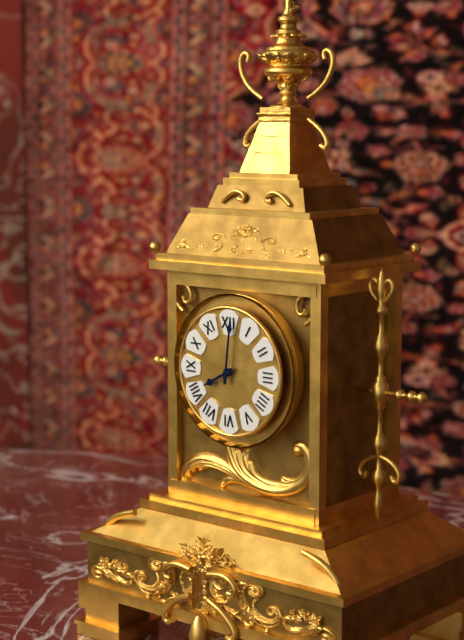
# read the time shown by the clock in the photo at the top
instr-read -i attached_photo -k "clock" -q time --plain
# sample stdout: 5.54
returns 8.01
